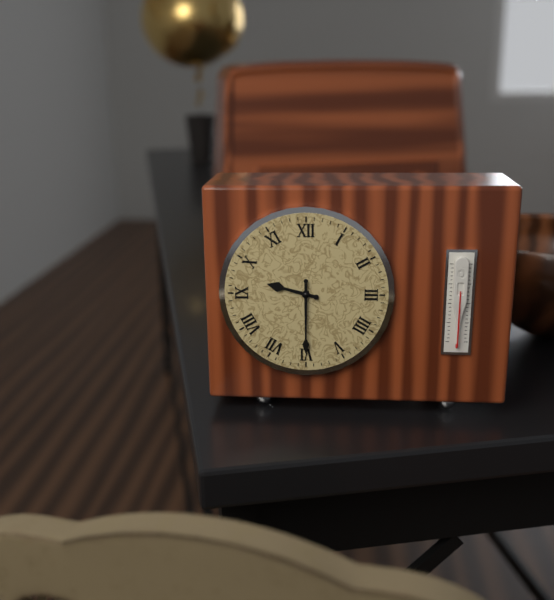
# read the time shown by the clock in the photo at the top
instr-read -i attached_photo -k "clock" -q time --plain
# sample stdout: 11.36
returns 9.30
